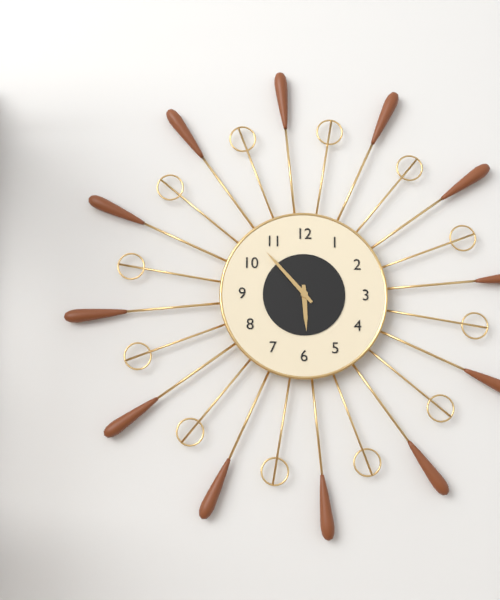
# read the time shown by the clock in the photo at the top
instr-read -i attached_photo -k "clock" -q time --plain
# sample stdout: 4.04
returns 5.53
